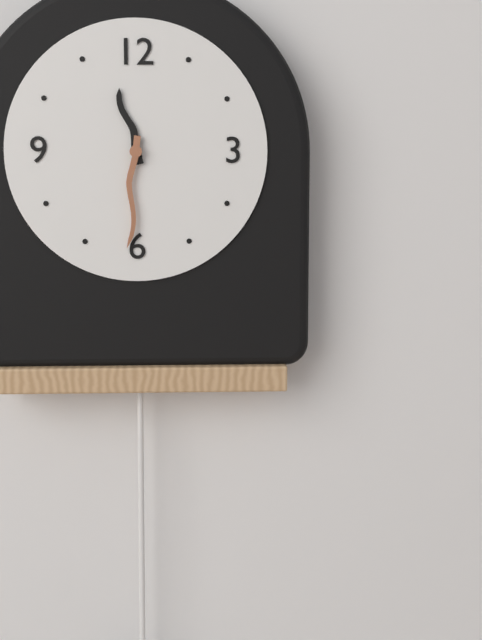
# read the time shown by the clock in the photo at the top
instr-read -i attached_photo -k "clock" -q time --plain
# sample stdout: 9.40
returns 11.31
